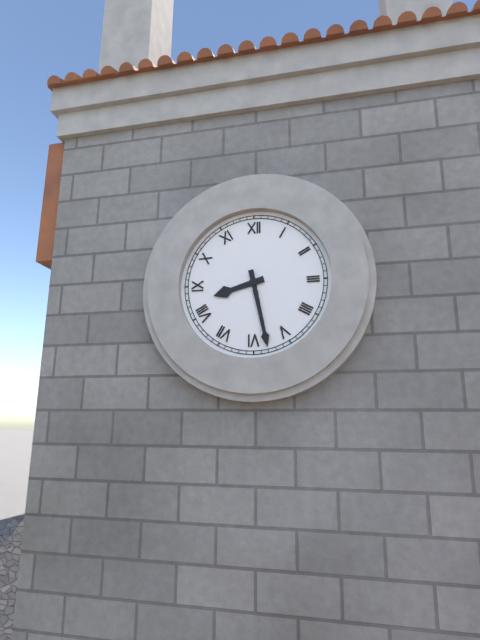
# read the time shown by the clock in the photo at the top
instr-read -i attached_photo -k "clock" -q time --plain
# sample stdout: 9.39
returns 8.28
